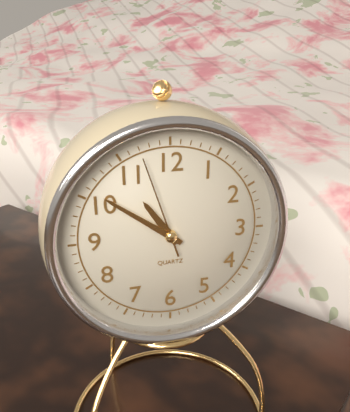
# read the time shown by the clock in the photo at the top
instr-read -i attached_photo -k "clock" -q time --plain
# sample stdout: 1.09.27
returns 10.51.57
